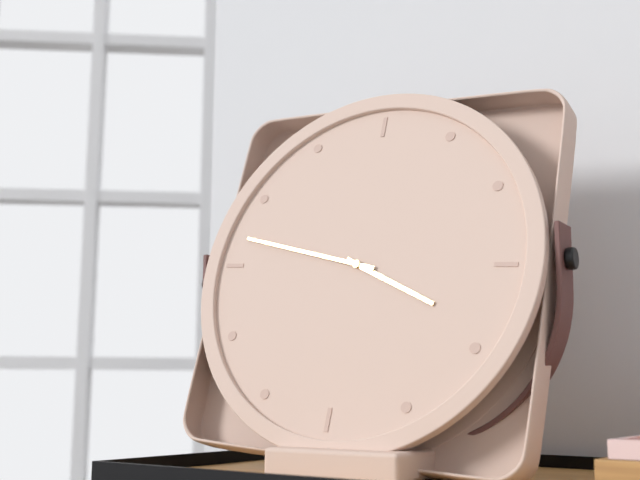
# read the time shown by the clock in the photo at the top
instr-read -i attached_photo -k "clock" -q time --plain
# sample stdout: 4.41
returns 3.47
